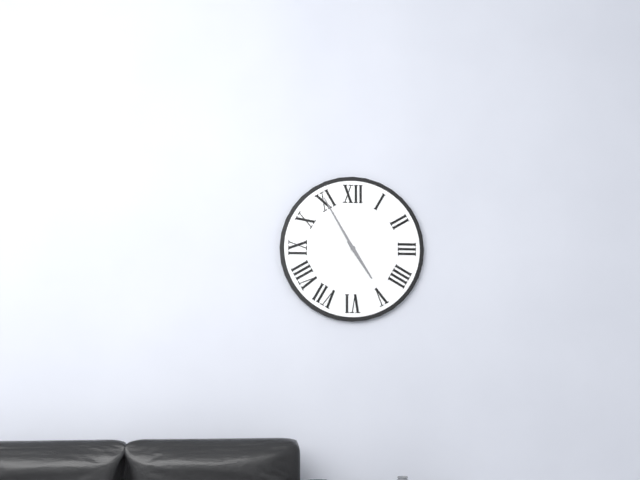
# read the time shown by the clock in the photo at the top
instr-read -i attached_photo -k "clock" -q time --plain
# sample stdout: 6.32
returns 4.55
